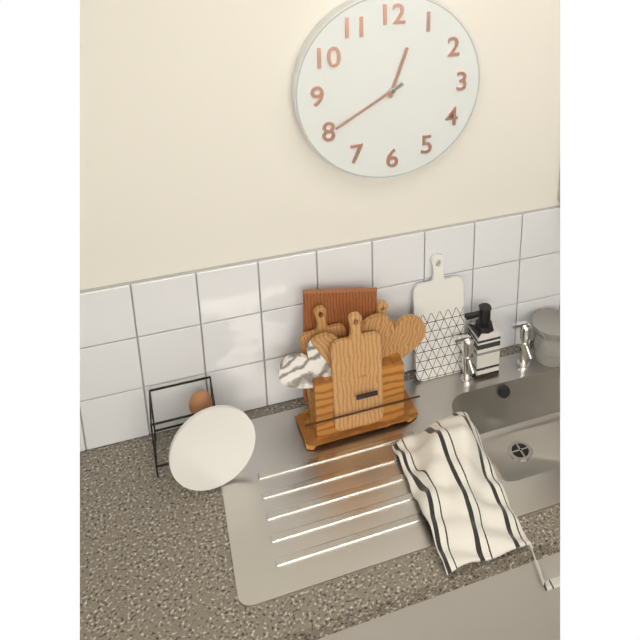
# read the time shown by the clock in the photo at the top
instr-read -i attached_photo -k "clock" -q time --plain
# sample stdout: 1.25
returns 12.40
